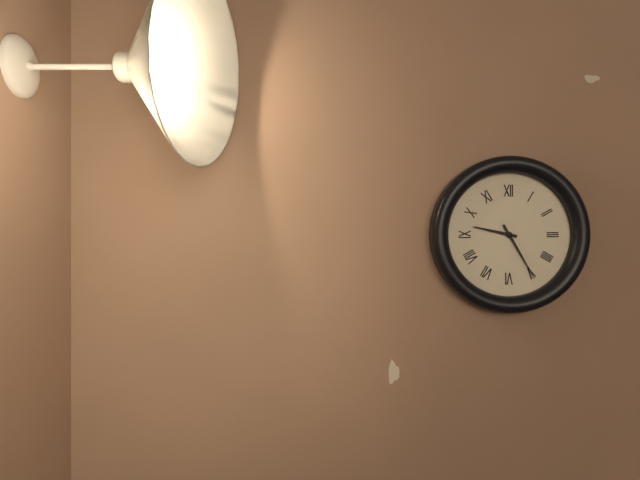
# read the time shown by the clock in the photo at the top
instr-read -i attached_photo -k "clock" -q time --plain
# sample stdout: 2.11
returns 9.25
